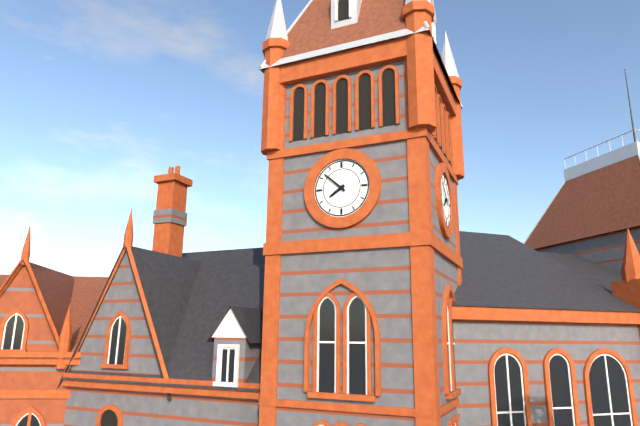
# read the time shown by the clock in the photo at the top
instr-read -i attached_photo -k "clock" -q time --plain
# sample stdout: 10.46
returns 7.52
